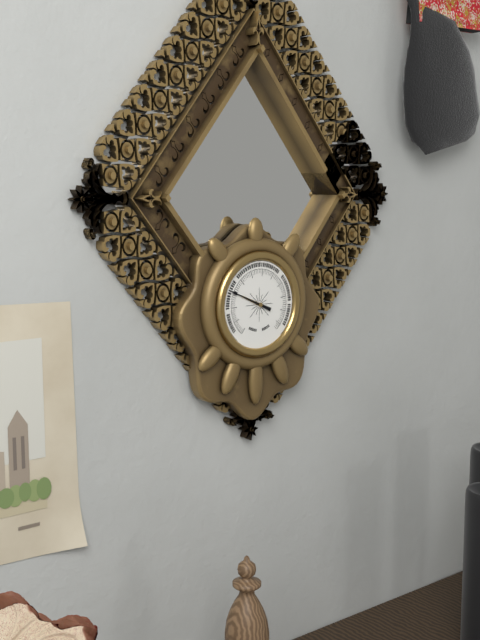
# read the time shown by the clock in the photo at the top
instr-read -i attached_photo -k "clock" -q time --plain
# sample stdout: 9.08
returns 9.49
